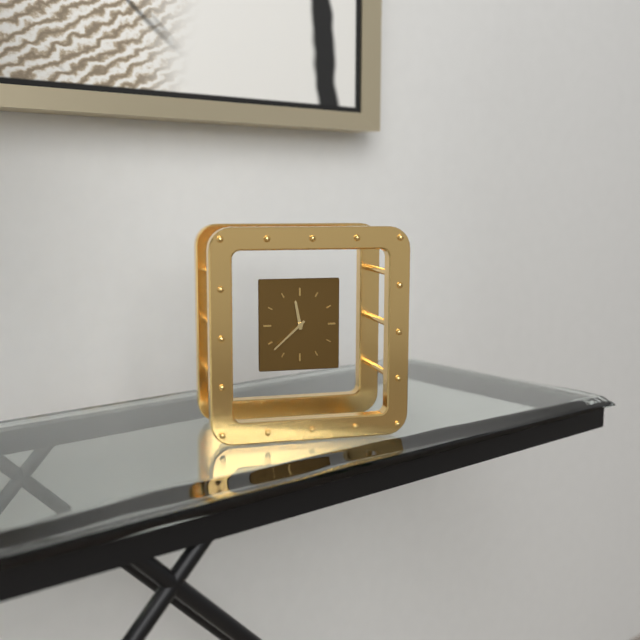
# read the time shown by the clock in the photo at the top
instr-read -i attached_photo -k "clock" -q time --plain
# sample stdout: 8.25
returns 11.38
